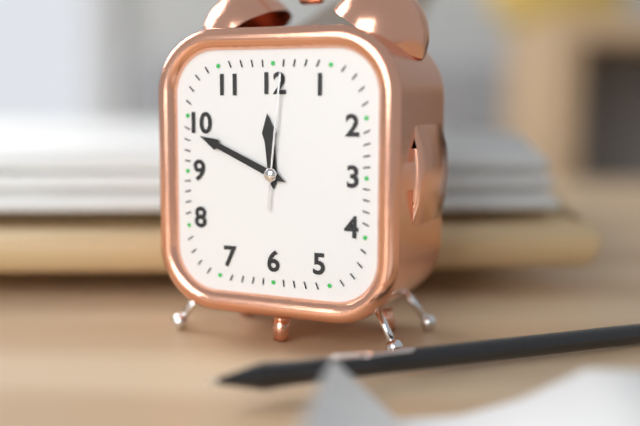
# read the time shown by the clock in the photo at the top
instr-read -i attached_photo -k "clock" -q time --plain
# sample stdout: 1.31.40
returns 11.49.01
